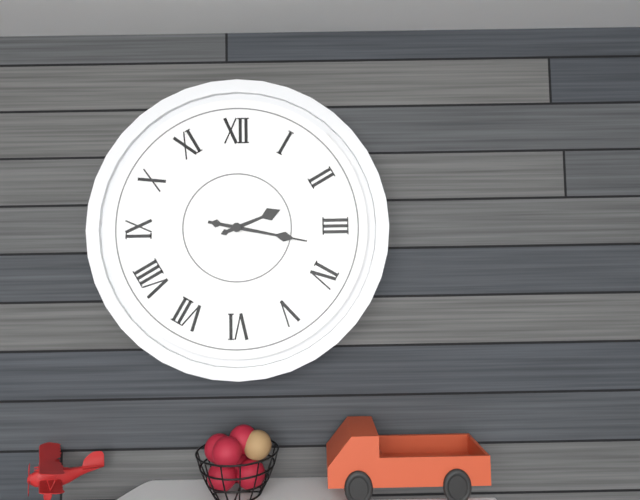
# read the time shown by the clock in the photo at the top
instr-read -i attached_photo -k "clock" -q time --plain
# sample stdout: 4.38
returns 2.17
